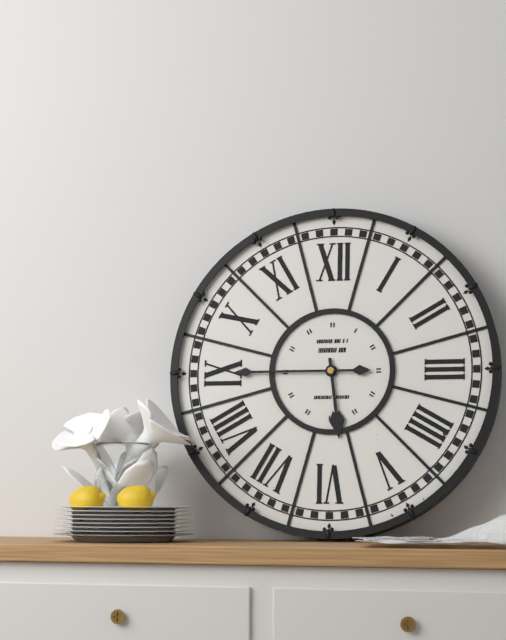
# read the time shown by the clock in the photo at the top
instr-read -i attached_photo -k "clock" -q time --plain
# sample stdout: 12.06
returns 5.45
